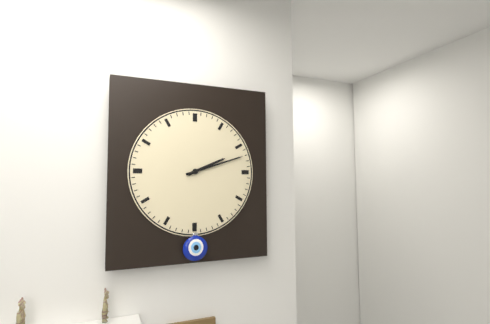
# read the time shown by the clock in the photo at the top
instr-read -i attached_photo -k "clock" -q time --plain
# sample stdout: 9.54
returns 2.12
